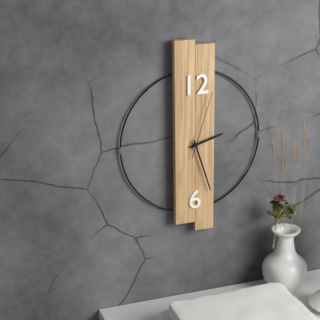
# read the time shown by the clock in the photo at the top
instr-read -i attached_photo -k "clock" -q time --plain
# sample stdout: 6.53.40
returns 2.27.03
